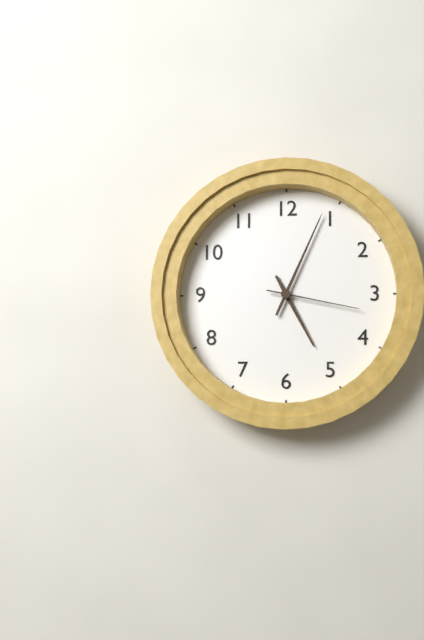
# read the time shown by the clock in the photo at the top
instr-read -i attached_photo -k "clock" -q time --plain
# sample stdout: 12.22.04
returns 5.04.17
